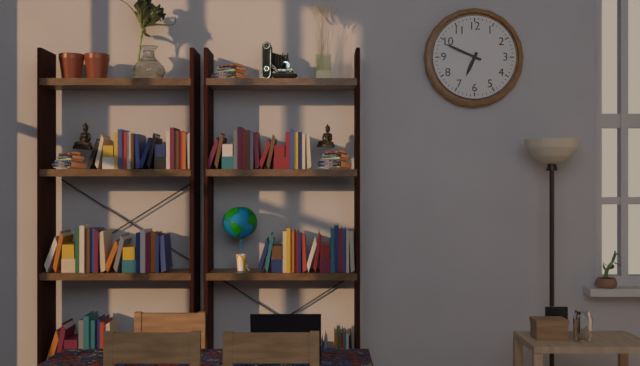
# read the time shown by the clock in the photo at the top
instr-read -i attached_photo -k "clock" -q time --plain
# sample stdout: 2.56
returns 6.49
